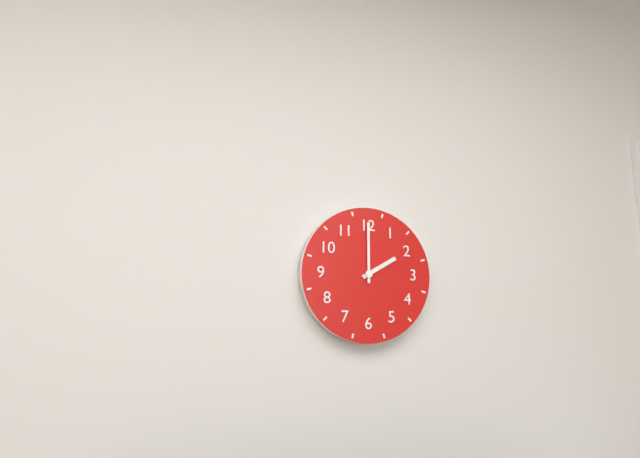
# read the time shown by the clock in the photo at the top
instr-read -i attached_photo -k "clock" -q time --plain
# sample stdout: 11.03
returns 2.00
